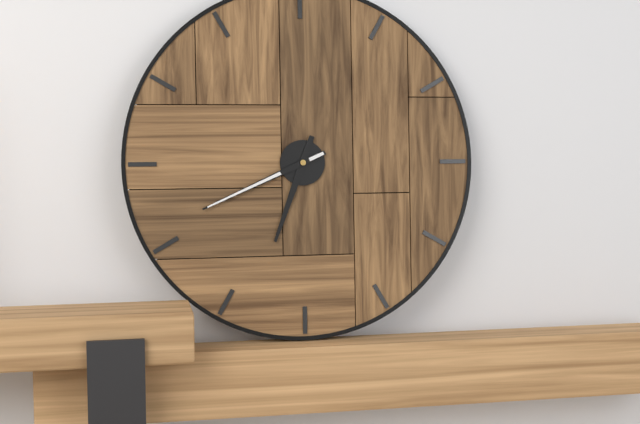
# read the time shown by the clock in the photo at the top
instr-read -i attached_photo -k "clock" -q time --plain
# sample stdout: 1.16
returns 6.41
